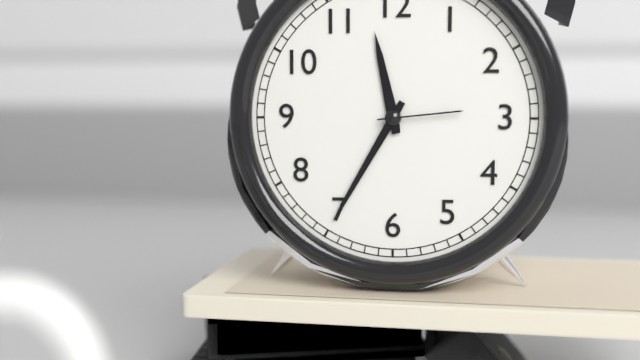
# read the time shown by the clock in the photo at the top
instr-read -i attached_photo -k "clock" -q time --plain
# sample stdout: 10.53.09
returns 11.35.14
